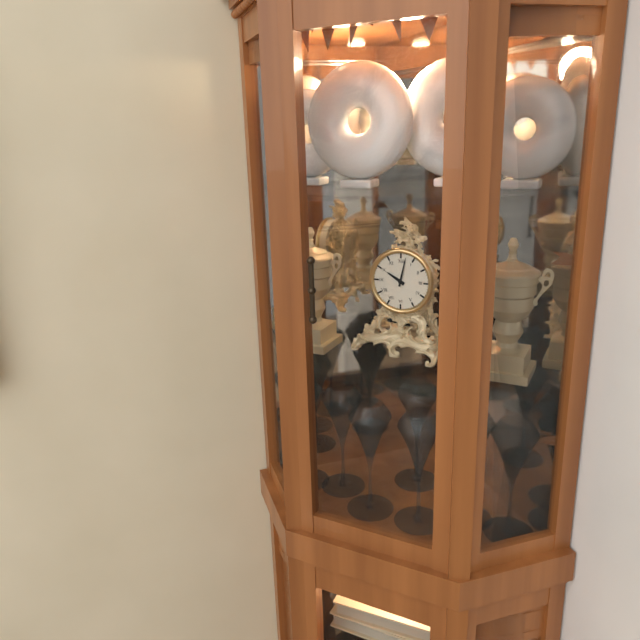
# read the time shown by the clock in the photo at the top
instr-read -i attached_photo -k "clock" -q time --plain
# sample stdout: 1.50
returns 10.02
